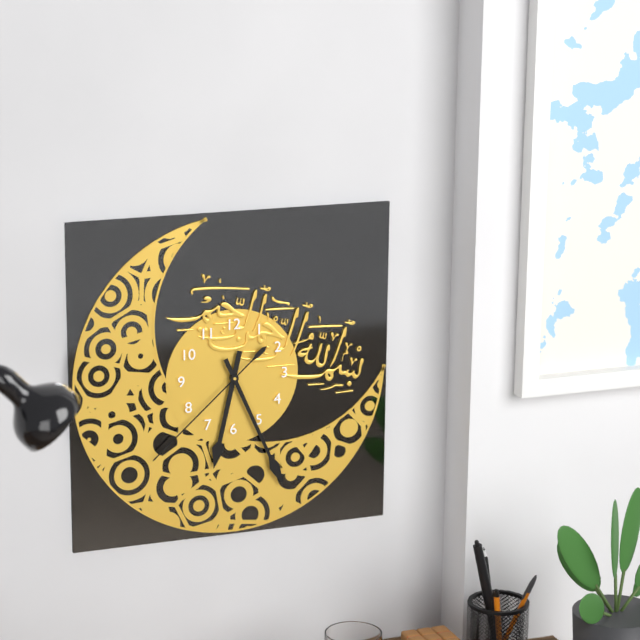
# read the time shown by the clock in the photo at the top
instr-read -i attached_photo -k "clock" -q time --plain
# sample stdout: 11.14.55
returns 6.26.38
